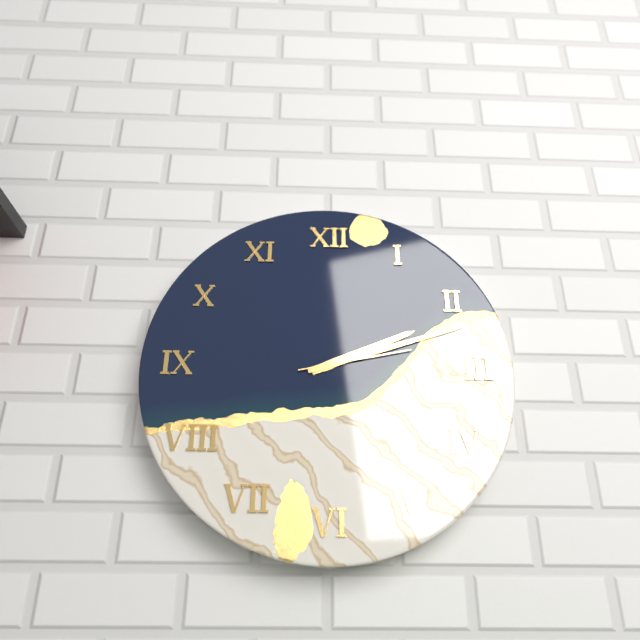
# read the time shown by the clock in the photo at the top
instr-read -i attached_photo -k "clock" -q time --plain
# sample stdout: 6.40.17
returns 2.12.13
